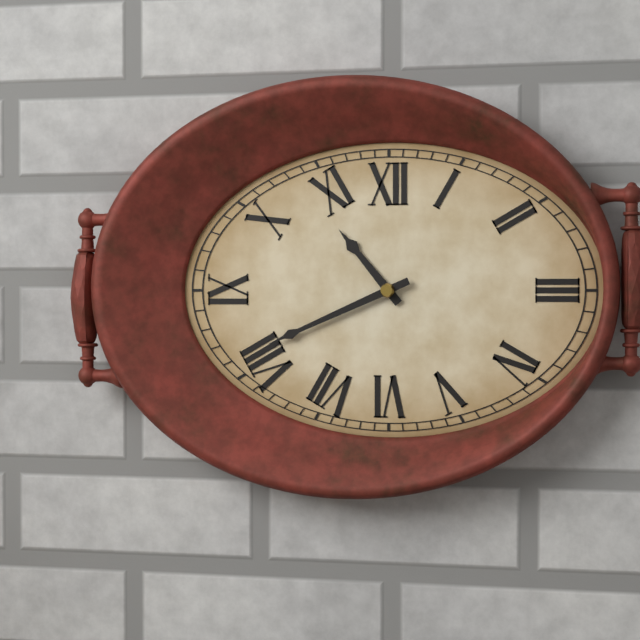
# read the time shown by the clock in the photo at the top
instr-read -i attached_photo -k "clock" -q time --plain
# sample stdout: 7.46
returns 10.41
